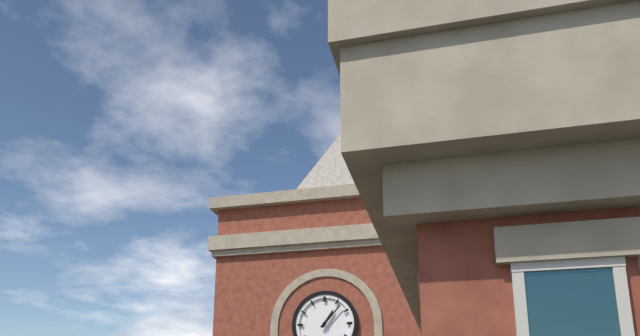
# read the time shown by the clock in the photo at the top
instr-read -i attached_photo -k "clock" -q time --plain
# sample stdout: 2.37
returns 1.07
